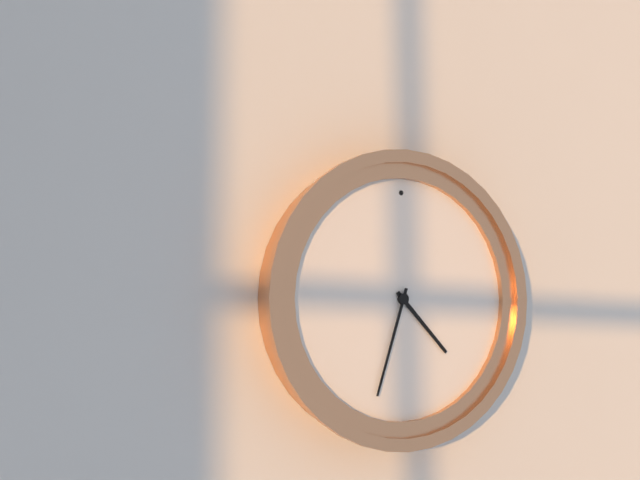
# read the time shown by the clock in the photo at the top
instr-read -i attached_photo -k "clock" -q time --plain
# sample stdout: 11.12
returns 4.33
